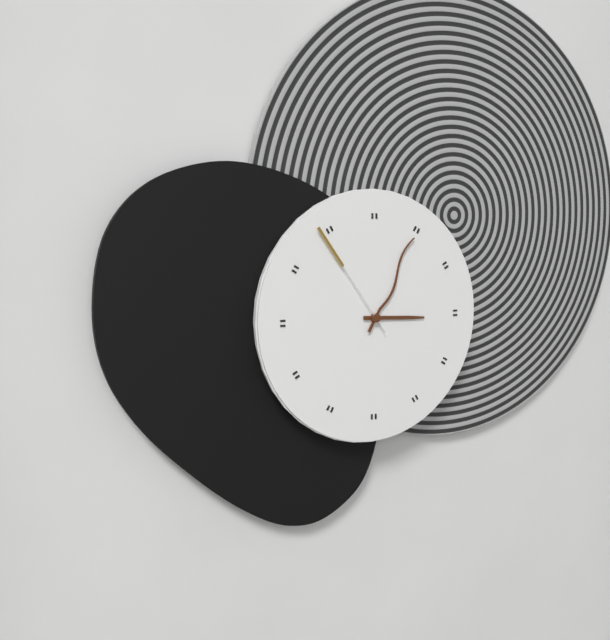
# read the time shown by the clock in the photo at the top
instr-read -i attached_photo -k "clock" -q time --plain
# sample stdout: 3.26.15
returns 3.05.54
